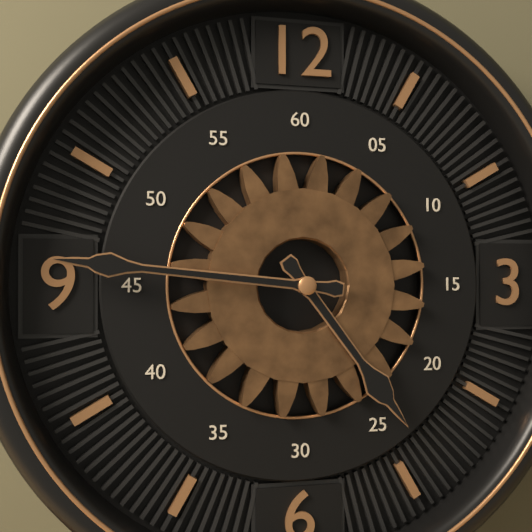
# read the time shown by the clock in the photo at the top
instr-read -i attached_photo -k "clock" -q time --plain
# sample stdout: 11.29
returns 4.46
